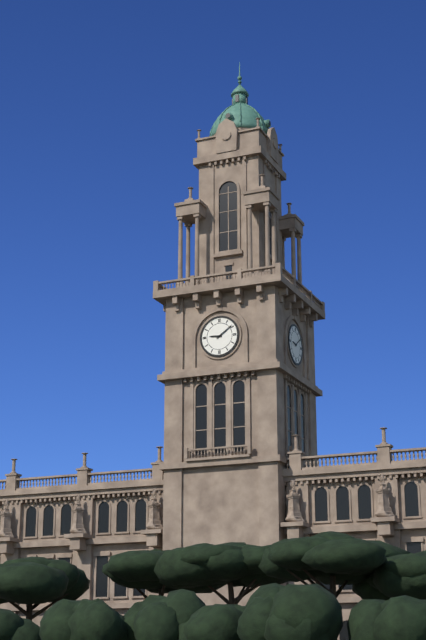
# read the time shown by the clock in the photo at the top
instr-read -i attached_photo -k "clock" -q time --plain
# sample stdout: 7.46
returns 9.09
